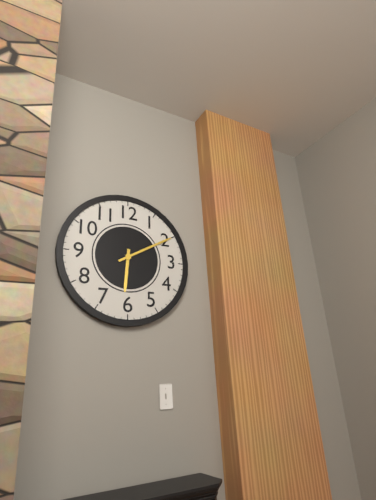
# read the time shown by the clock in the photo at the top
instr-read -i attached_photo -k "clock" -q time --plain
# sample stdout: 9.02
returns 6.10
